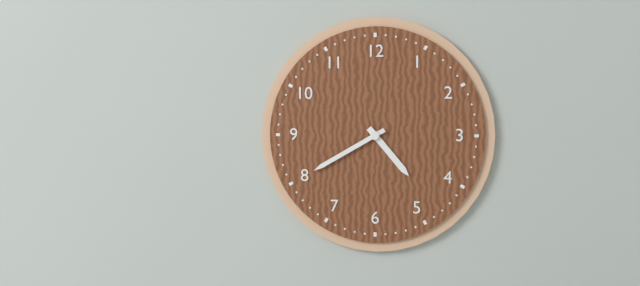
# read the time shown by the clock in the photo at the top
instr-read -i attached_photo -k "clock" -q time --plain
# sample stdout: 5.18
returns 4.40
